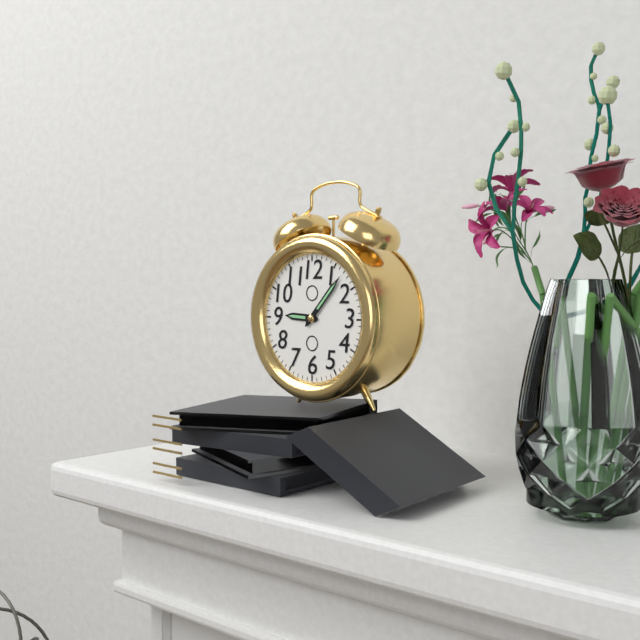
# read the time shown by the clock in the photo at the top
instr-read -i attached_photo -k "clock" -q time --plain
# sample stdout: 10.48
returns 9.07
